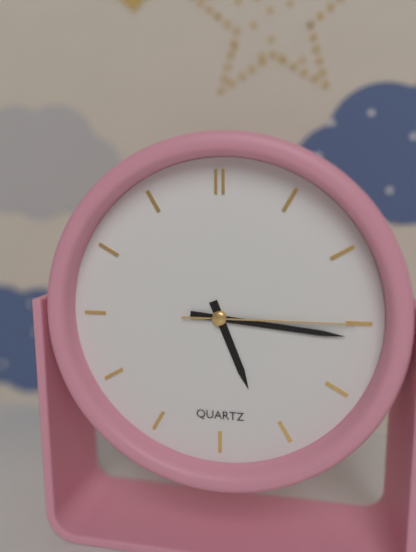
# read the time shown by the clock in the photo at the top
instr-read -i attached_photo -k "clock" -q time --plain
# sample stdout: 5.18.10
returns 5.16.15
